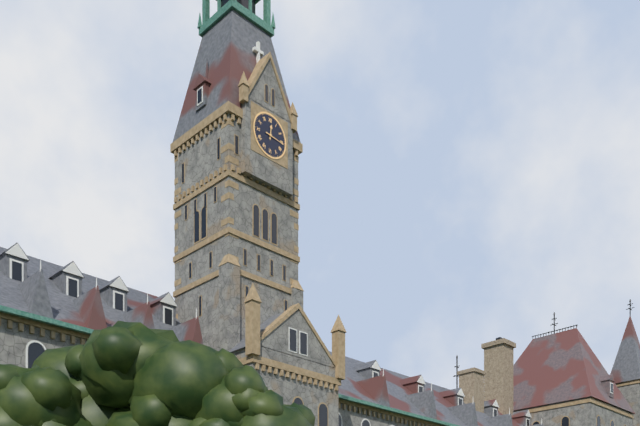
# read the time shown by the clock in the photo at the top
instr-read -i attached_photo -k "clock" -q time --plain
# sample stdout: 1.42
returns 12.16
